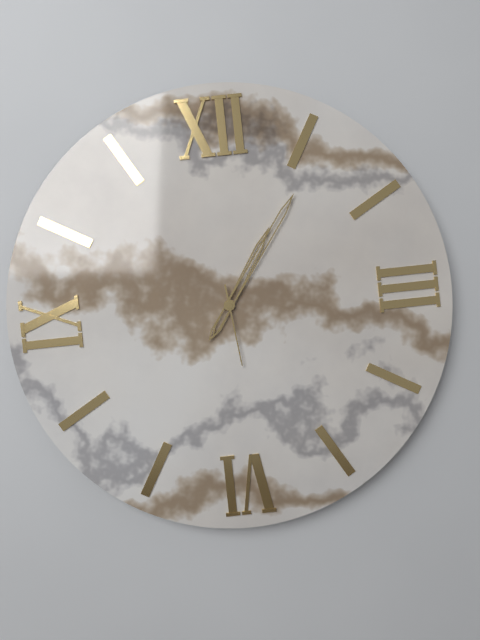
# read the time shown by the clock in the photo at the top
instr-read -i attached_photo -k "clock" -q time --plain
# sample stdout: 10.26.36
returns 1.06.29
